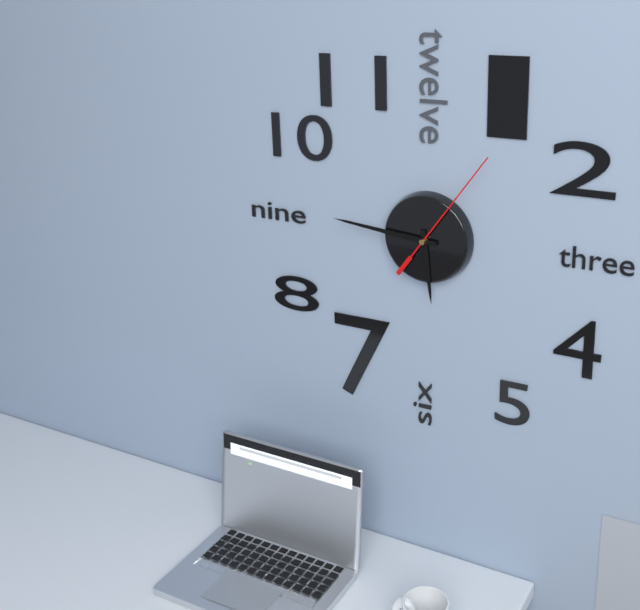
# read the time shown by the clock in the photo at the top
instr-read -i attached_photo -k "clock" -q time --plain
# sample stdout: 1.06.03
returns 5.46.06
